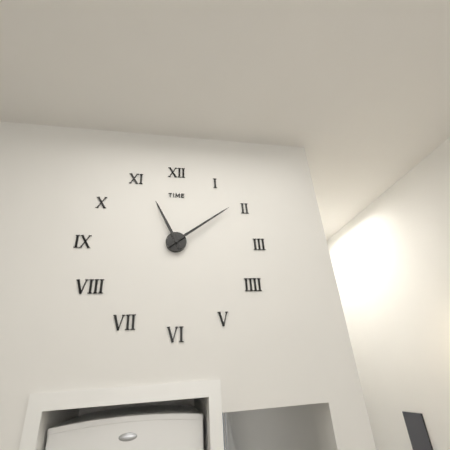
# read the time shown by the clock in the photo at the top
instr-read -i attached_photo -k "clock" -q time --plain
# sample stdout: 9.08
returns 11.09
